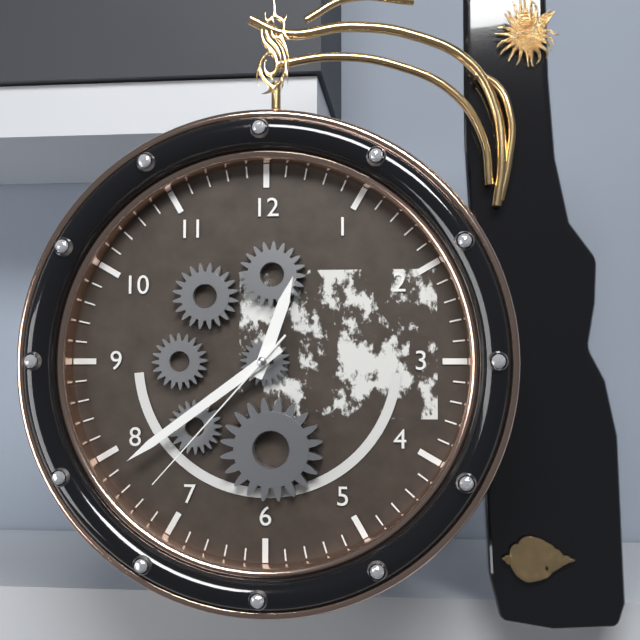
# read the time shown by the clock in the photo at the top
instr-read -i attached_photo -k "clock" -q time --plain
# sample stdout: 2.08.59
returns 12.39.37
